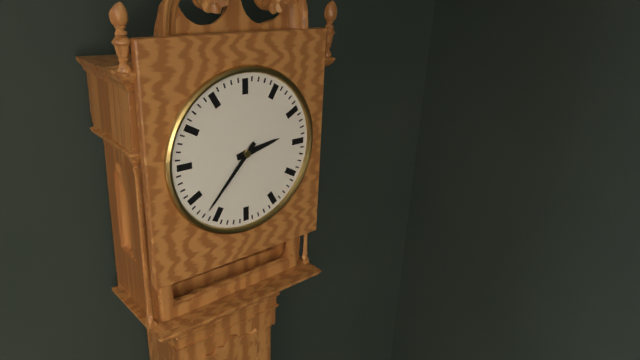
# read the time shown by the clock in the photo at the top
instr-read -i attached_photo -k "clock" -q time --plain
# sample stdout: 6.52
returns 2.37
